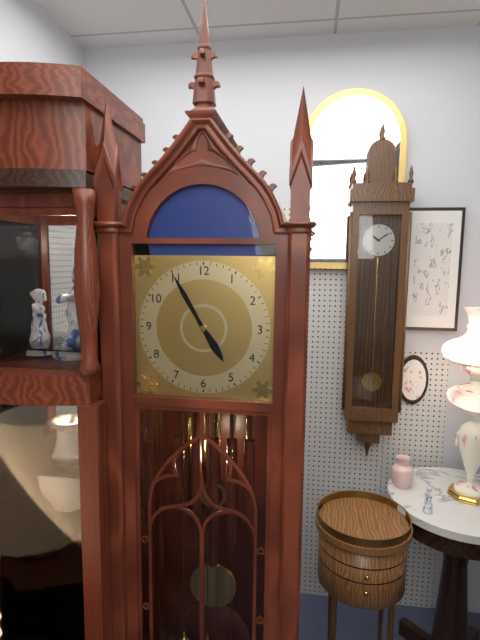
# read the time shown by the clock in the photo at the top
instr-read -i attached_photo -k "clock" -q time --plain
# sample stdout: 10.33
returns 4.55
